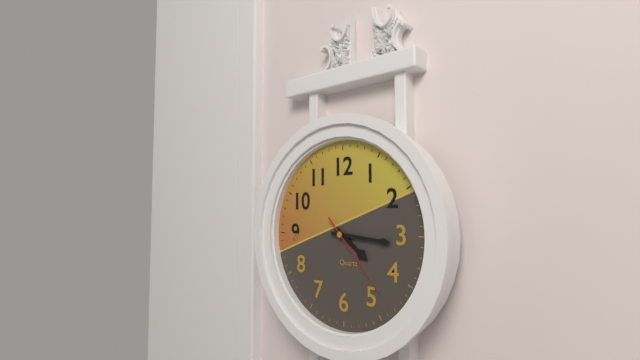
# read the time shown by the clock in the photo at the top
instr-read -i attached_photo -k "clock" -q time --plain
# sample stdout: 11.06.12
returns 4.16.23
